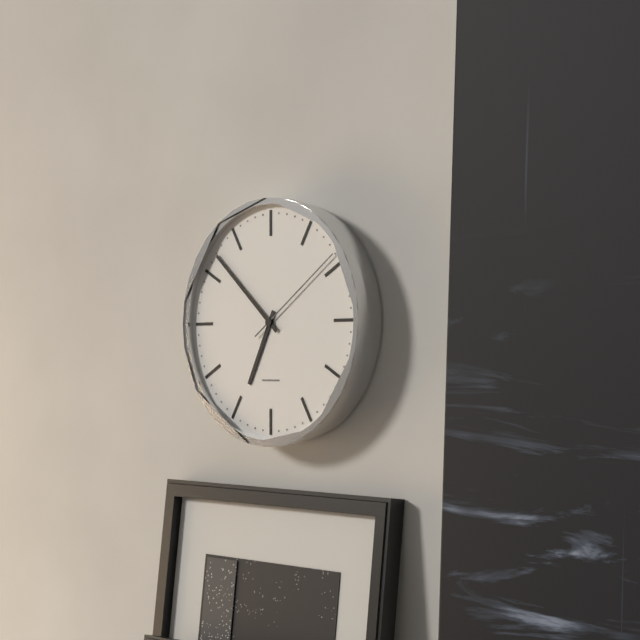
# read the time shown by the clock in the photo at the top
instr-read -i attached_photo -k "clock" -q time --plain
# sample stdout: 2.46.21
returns 6.52.09
